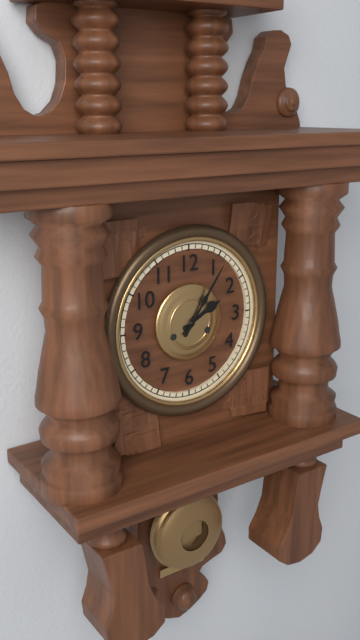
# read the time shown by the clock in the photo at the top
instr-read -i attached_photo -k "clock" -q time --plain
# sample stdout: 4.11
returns 2.06
